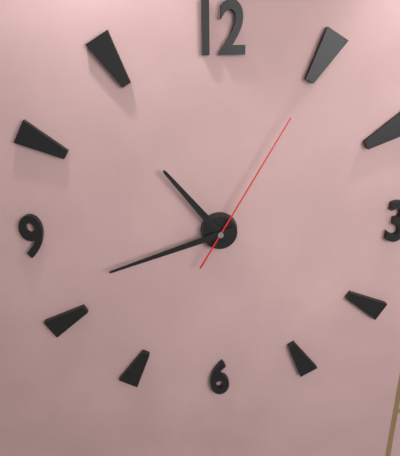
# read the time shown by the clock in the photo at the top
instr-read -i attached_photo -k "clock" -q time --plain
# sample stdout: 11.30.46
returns 10.42.05
